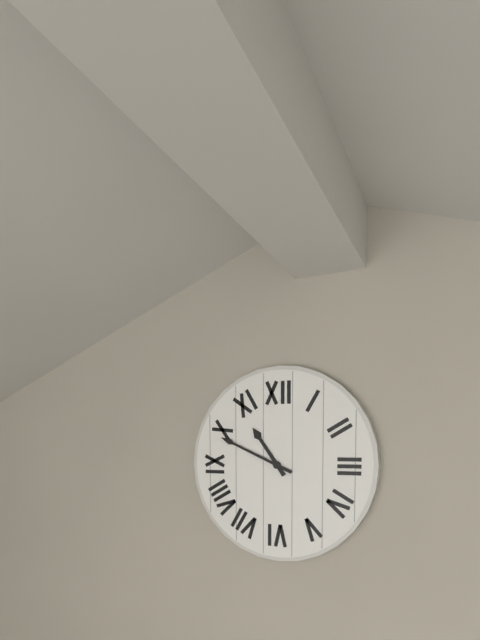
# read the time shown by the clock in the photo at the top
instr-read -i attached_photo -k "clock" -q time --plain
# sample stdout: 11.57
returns 10.49
